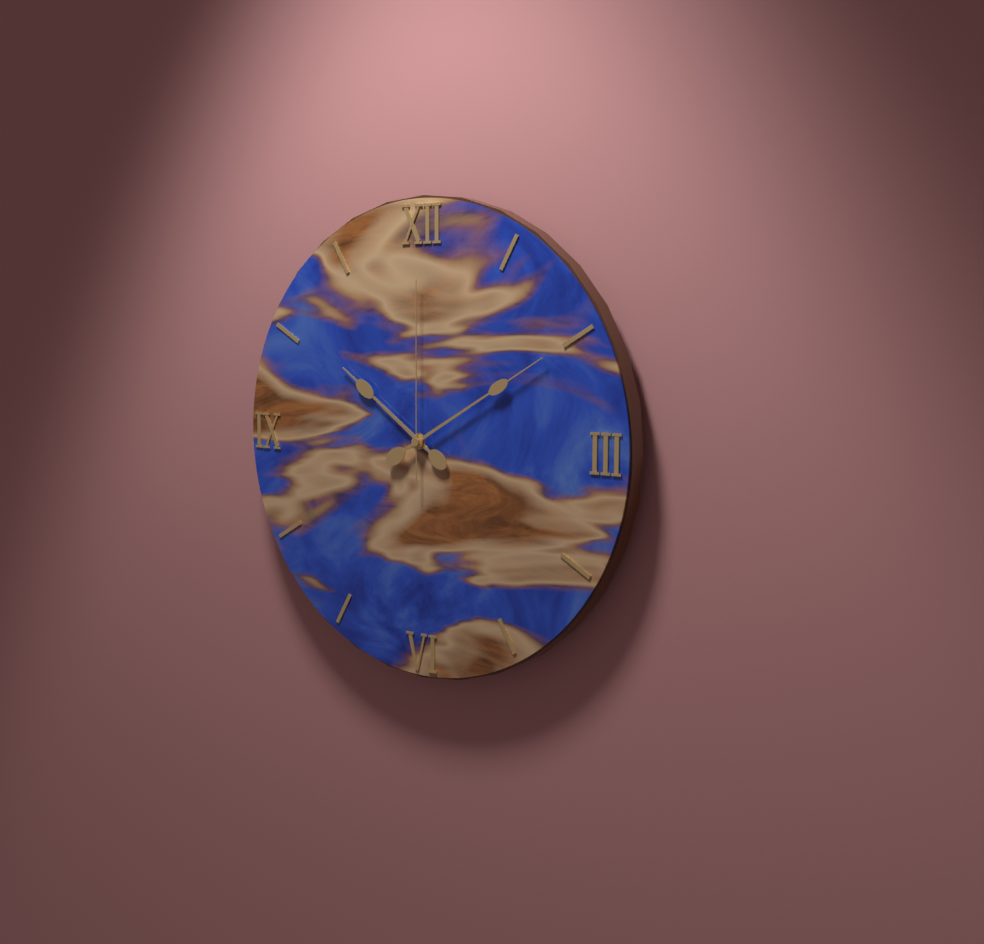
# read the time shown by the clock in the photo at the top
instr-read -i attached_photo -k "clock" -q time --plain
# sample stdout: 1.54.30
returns 10.10.00
